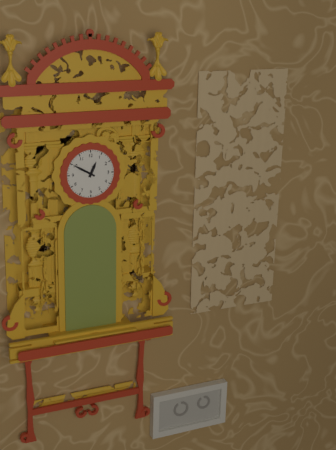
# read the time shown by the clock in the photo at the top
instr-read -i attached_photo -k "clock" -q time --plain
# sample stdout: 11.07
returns 12.50
